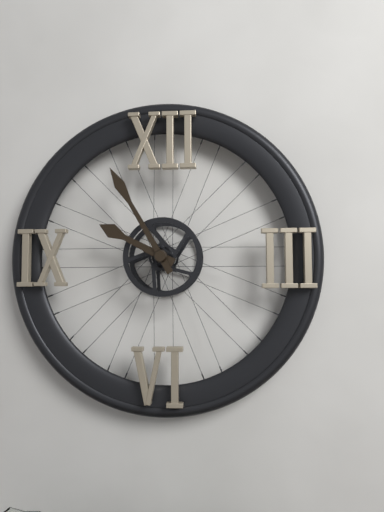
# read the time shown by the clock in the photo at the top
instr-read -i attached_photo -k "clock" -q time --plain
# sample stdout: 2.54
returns 9.55
